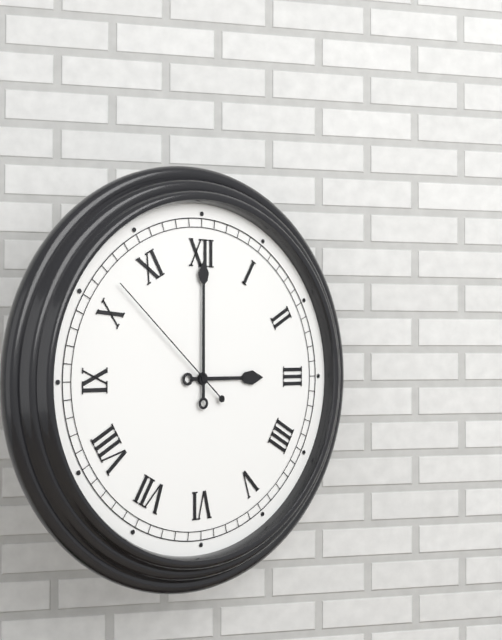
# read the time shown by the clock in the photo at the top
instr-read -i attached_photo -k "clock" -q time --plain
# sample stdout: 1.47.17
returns 3.00.52
